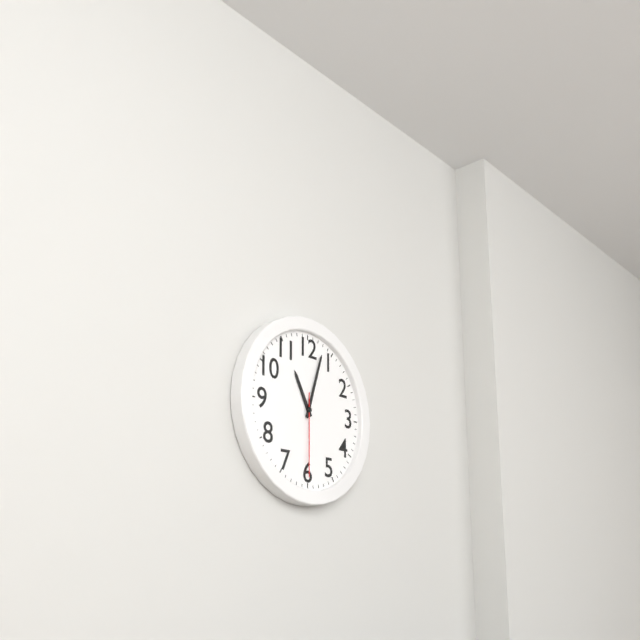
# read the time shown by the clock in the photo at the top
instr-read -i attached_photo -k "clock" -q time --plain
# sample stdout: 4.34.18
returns 11.03.30
